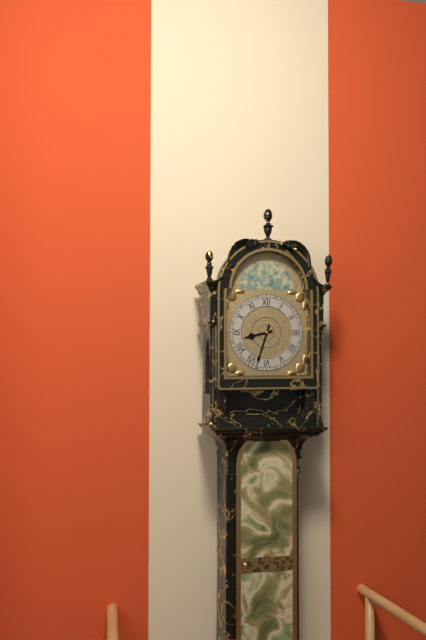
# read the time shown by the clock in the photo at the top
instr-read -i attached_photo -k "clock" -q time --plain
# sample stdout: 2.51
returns 8.33
